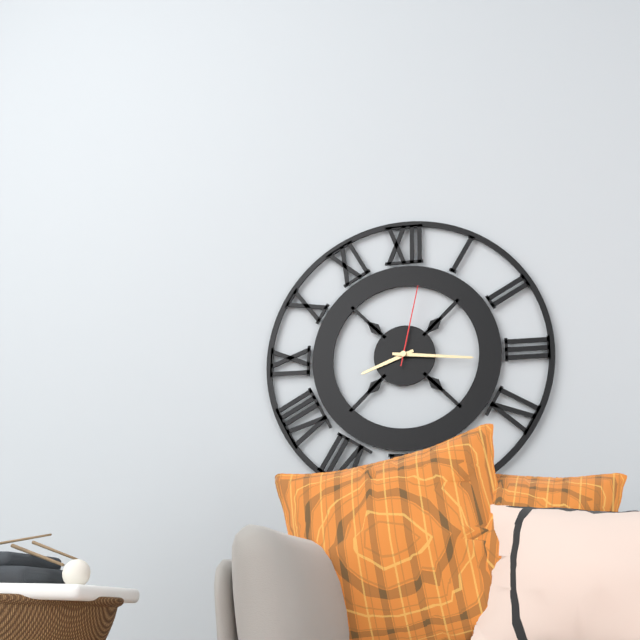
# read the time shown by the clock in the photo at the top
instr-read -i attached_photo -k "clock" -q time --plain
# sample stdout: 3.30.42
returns 8.16.02
